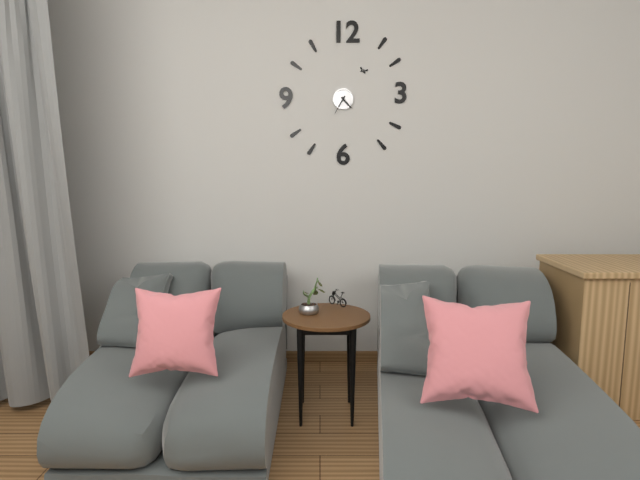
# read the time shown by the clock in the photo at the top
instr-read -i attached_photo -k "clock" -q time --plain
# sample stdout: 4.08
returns 4.35
